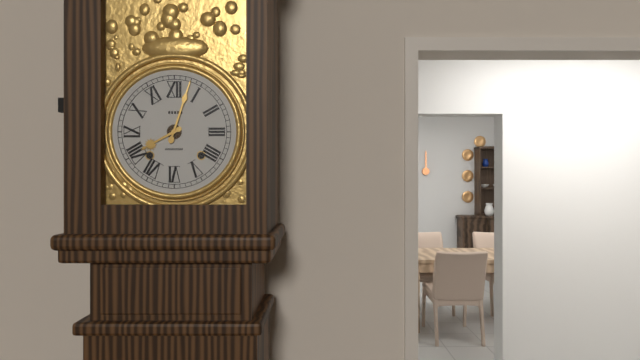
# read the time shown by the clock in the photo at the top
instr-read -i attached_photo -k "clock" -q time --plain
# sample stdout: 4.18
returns 8.03
